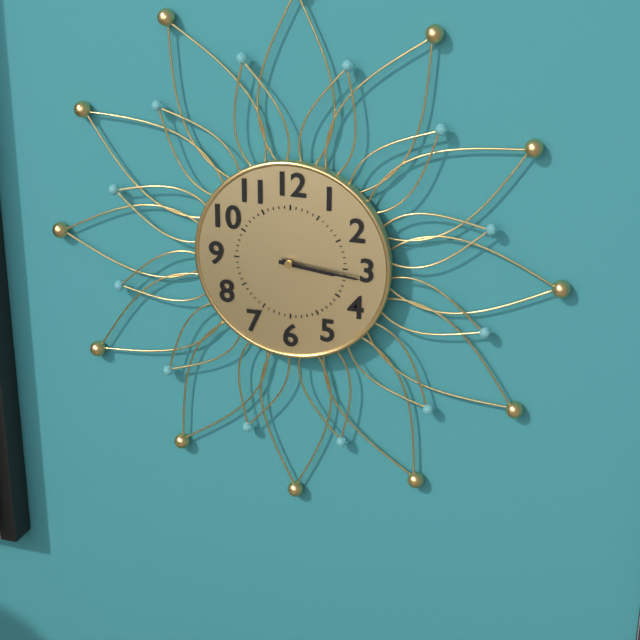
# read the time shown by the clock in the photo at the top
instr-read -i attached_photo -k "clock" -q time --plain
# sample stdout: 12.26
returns 3.16
